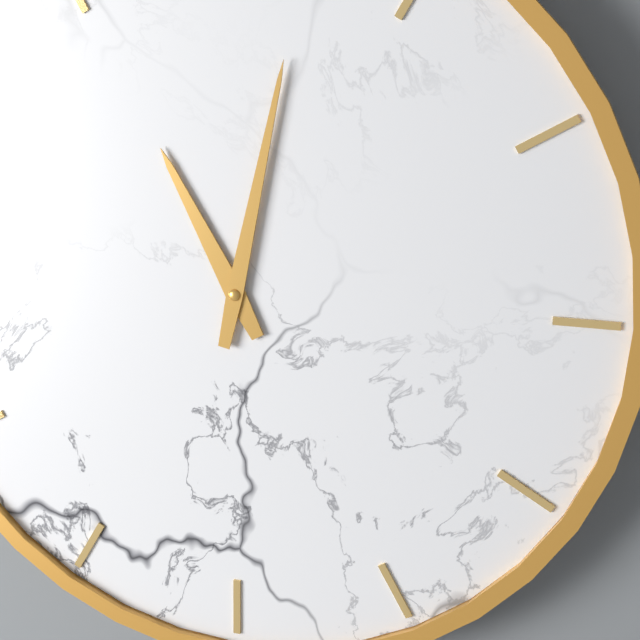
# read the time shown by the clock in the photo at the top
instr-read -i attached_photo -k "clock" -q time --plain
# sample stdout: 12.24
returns 11.02
